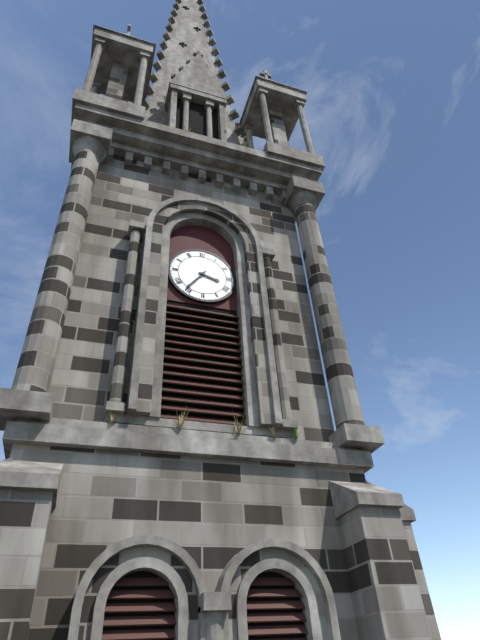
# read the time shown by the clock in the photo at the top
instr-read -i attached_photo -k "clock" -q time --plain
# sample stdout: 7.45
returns 3.36
